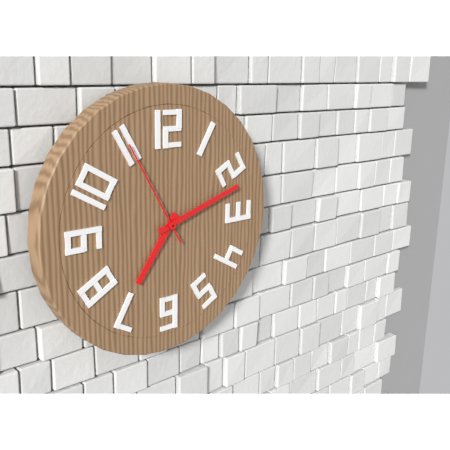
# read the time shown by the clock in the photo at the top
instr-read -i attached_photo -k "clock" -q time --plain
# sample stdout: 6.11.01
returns 7.12.55
